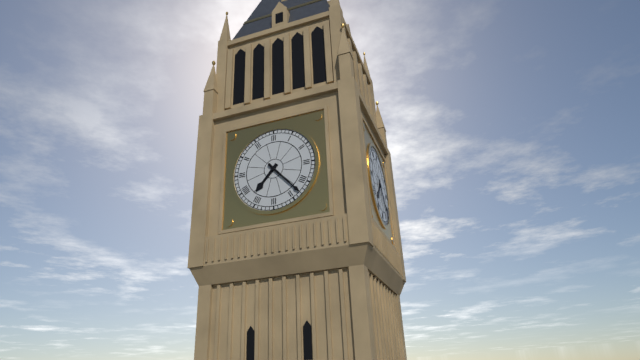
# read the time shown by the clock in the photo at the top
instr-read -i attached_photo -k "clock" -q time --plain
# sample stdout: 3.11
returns 7.23
